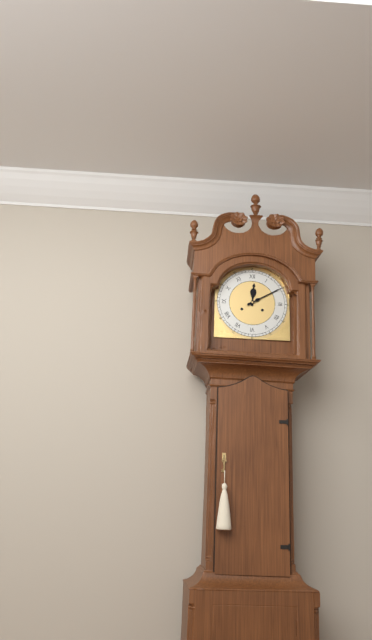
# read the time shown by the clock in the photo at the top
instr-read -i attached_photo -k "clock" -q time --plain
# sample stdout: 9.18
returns 12.10
